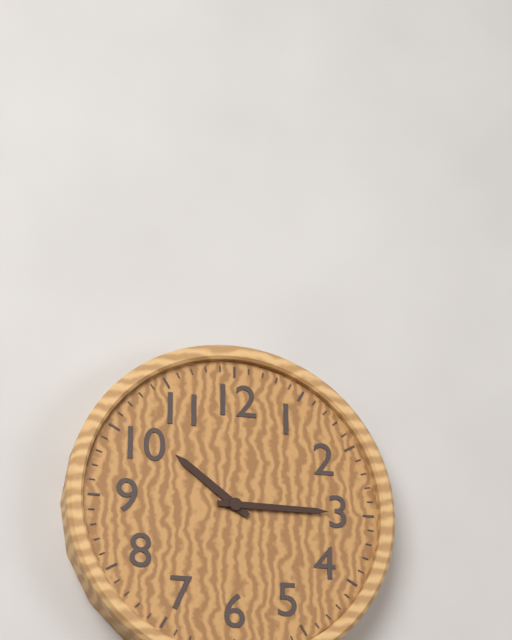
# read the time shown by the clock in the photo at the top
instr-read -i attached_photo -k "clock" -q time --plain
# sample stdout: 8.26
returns 10.15
